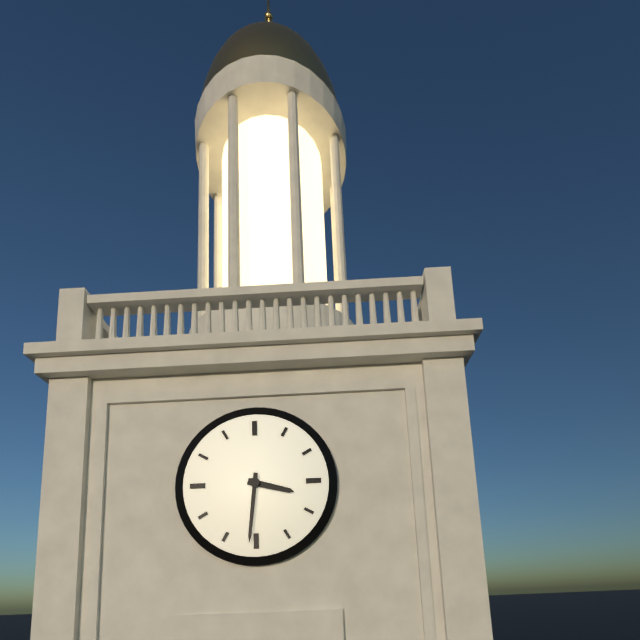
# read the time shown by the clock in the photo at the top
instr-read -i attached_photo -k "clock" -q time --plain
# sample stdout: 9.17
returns 3.31
